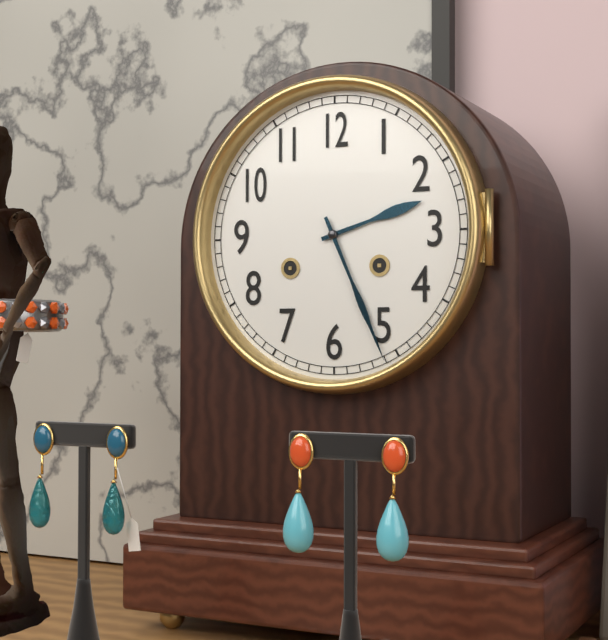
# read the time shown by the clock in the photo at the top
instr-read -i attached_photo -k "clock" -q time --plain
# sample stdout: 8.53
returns 2.26
